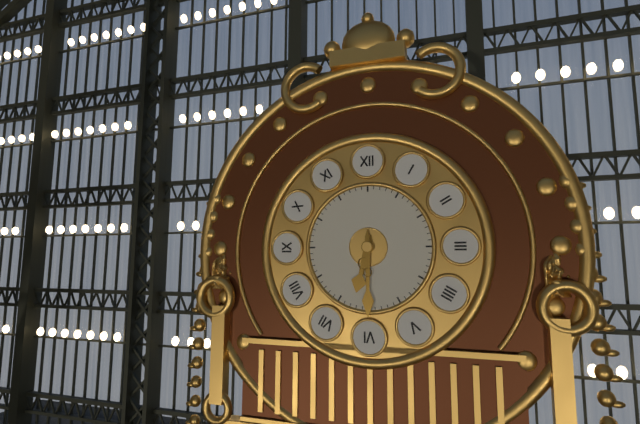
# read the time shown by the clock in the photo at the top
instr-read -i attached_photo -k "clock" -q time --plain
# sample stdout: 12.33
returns 6.30
